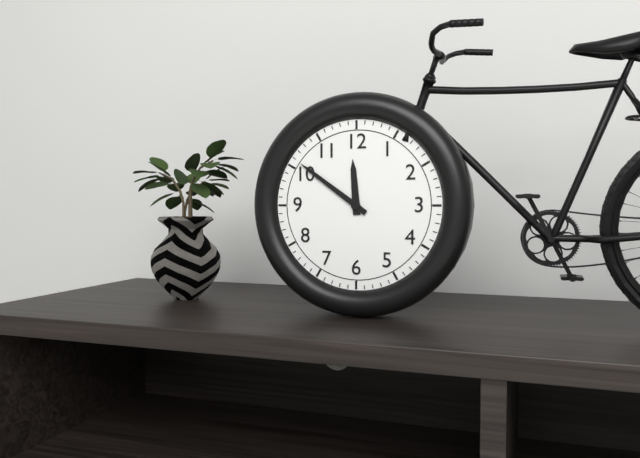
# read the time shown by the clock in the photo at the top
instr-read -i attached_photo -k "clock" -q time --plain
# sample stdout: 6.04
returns 11.51
